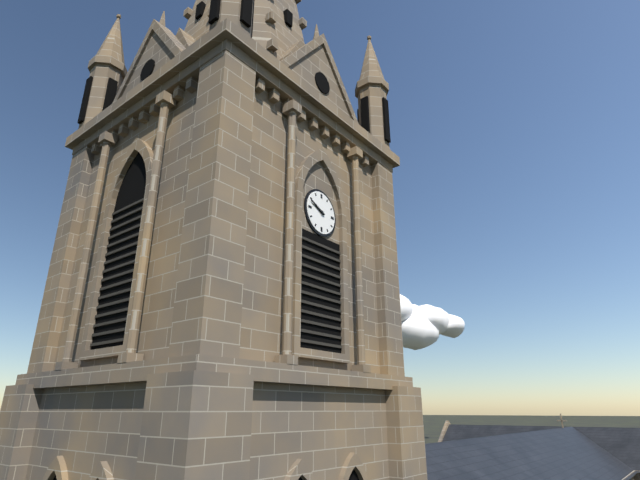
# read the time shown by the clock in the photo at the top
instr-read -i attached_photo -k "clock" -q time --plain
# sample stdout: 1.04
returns 9.49
